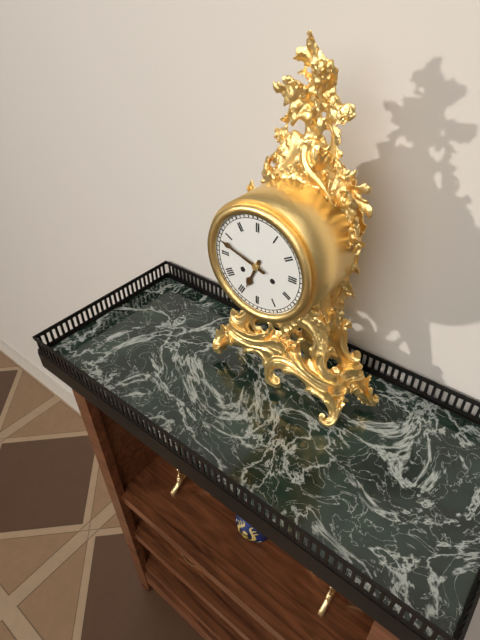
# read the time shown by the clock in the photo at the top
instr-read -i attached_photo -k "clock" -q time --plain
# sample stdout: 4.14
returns 6.48
